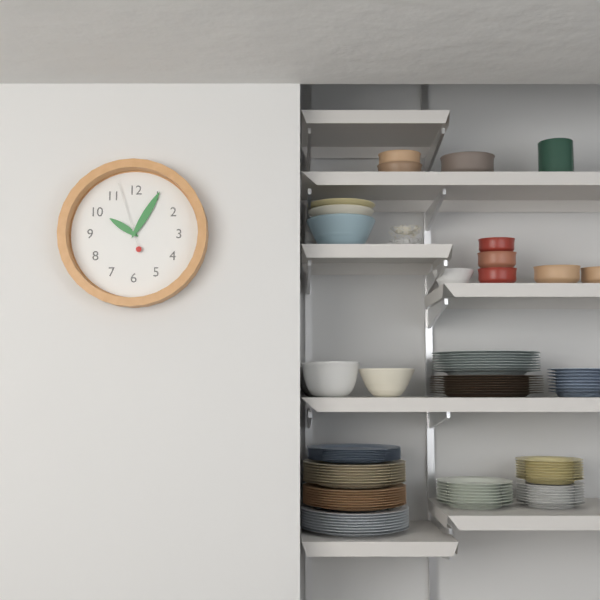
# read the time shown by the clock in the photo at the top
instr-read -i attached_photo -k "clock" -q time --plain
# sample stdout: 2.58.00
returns 10.05.57
